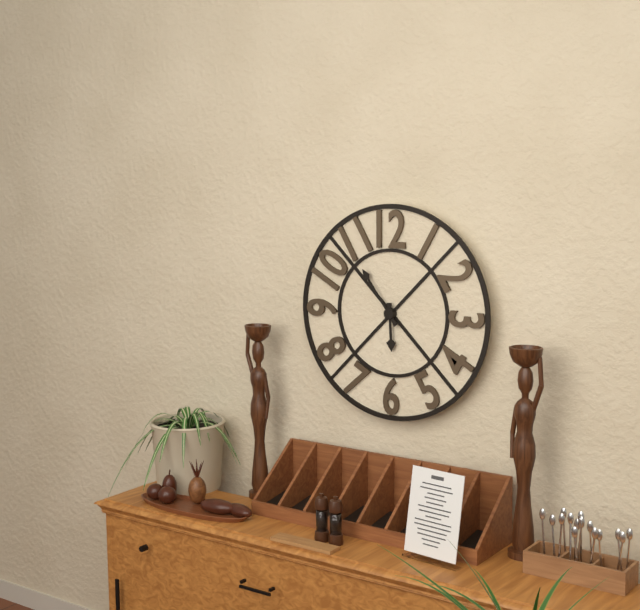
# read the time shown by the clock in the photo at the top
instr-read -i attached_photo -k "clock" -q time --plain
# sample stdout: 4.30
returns 5.54
